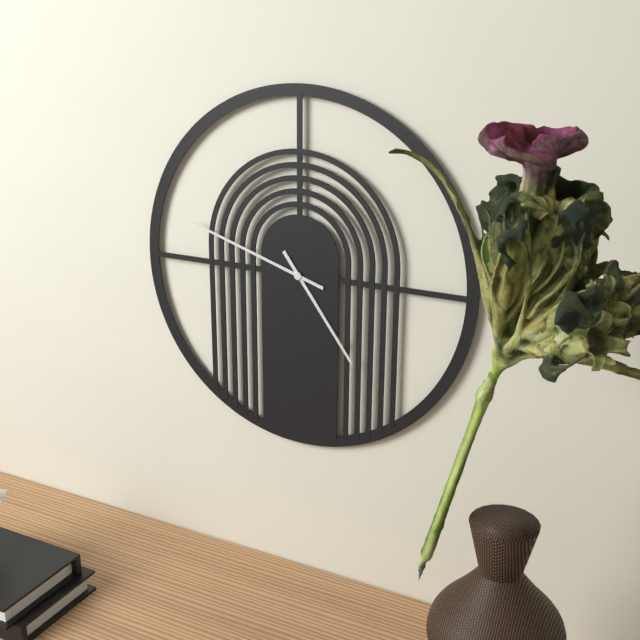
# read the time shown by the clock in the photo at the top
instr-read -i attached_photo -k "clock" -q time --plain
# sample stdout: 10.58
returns 4.48
